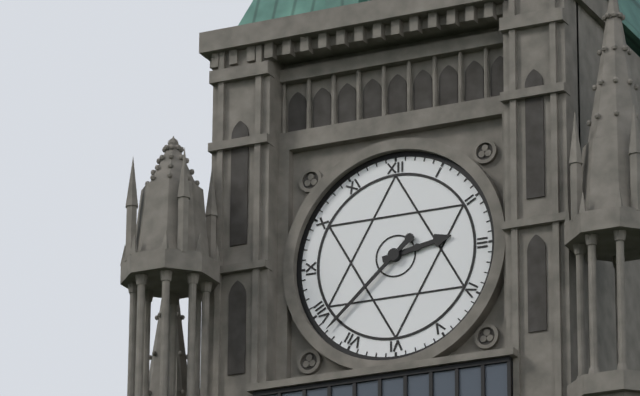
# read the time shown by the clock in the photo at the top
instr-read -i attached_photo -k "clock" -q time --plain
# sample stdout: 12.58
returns 2.38
